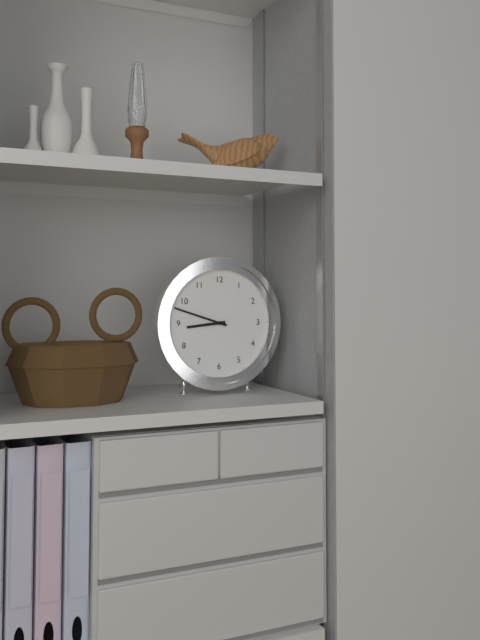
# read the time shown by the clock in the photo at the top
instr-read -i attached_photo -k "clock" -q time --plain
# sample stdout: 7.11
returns 8.48
